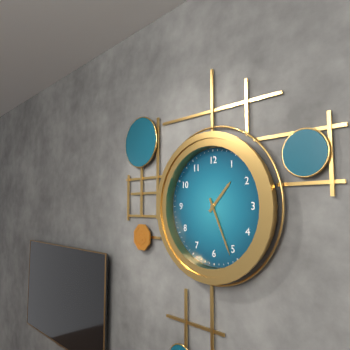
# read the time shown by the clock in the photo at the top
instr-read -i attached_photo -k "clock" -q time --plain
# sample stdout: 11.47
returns 1.26
